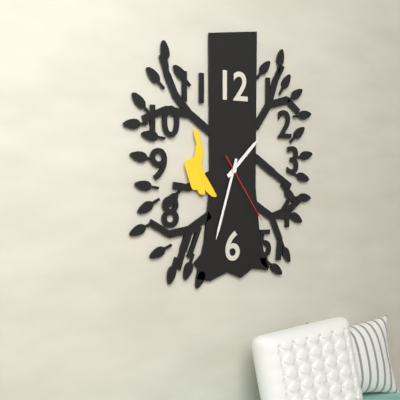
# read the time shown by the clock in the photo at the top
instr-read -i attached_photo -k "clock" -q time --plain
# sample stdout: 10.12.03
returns 1.33.24
